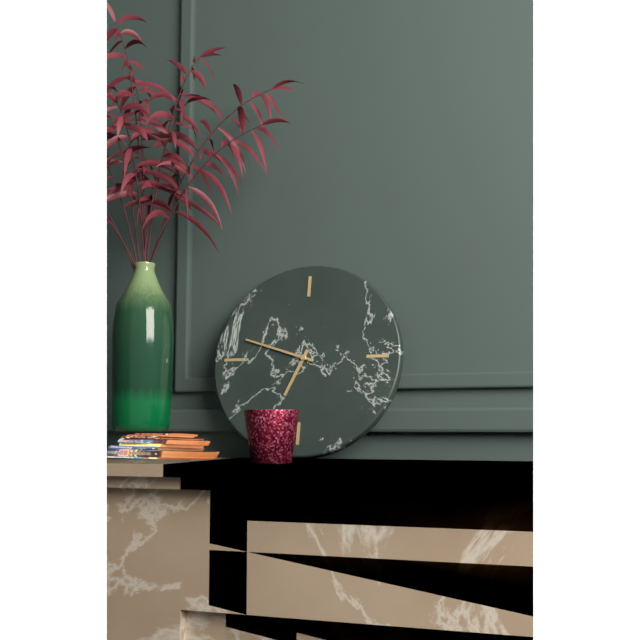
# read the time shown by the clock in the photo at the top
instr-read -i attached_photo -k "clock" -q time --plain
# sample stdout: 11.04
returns 6.48
